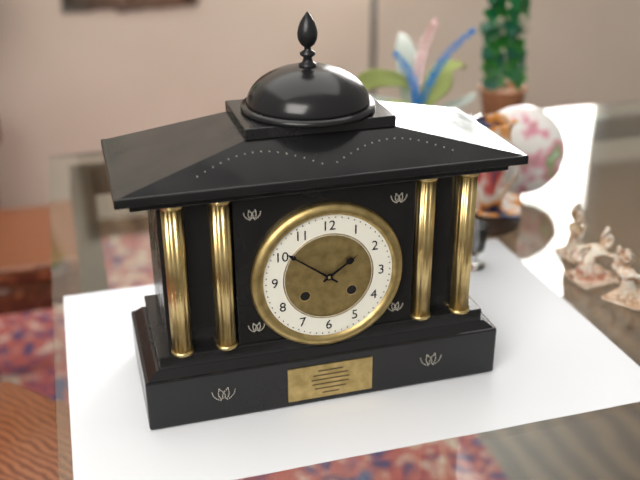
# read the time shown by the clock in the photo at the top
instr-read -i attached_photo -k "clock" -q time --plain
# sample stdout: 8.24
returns 1.51
